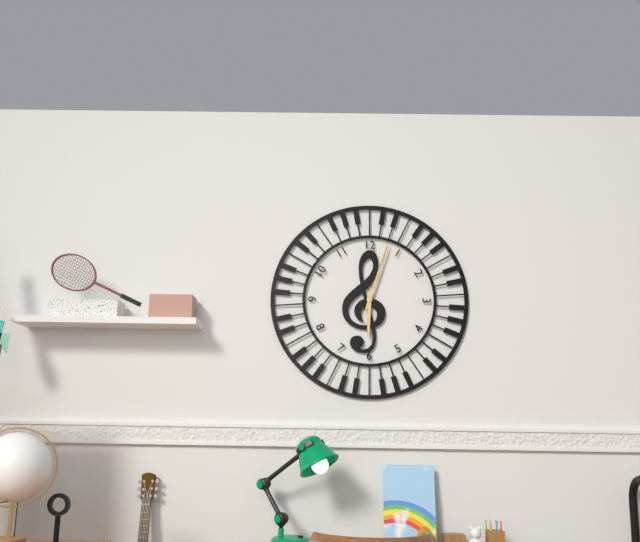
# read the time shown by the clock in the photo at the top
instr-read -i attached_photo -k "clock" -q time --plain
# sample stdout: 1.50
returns 6.03
